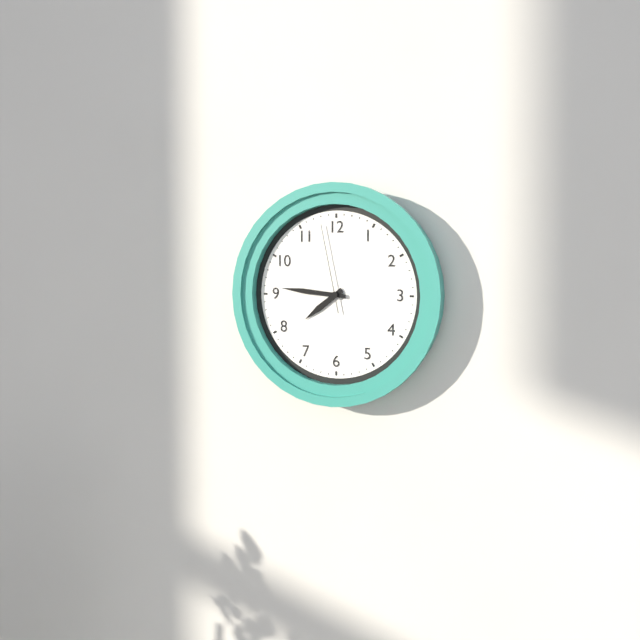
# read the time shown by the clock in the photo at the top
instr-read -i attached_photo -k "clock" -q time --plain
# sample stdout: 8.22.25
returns 7.46.58
